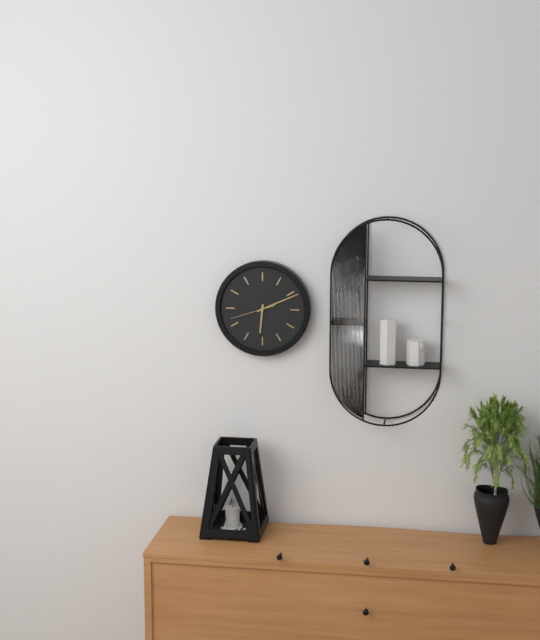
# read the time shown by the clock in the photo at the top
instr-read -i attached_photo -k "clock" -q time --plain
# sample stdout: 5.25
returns 6.11
